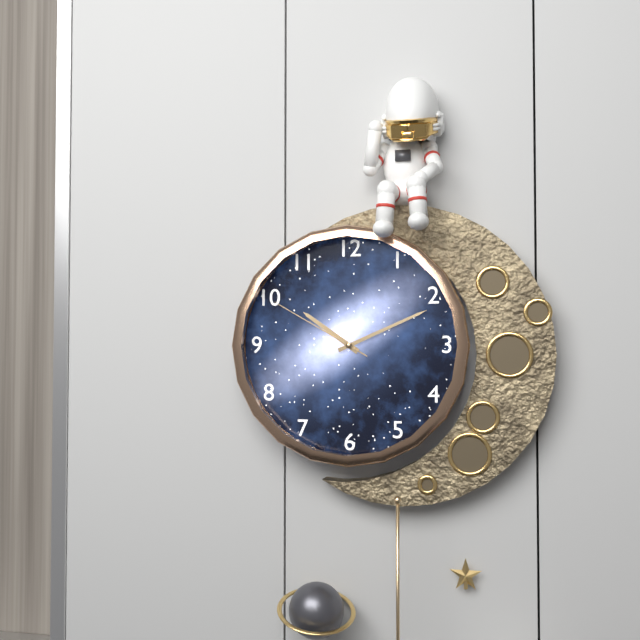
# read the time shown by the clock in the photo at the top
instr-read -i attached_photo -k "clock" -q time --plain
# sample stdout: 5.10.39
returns 10.11.50
